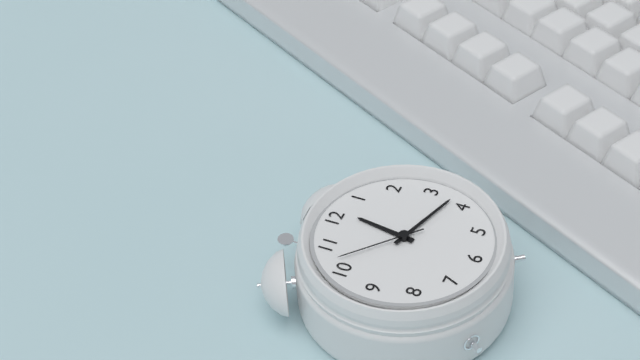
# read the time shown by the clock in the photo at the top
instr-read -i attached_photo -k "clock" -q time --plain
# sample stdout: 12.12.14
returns 12.18.52
